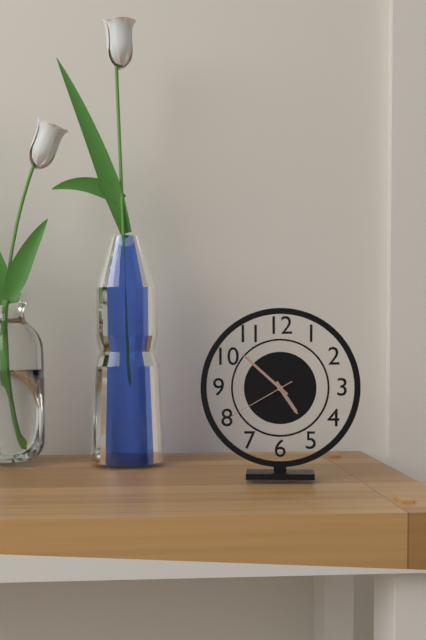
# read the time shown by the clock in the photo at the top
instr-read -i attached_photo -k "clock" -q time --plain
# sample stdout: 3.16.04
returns 4.52.40
